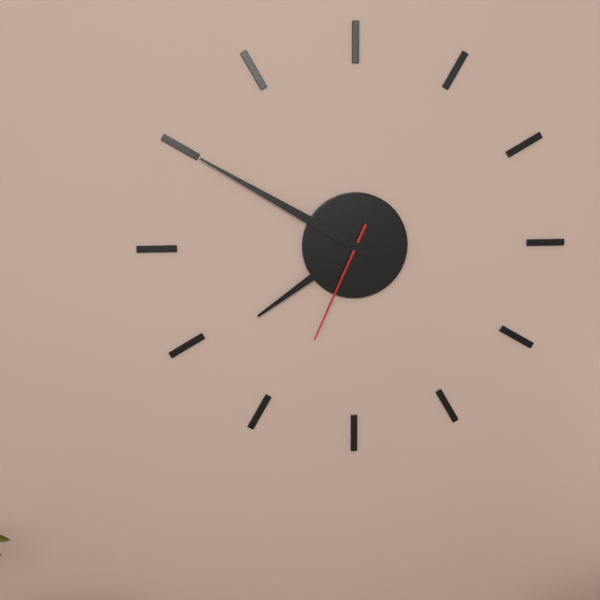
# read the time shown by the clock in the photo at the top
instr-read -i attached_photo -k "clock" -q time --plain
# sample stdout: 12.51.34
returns 7.50.34
